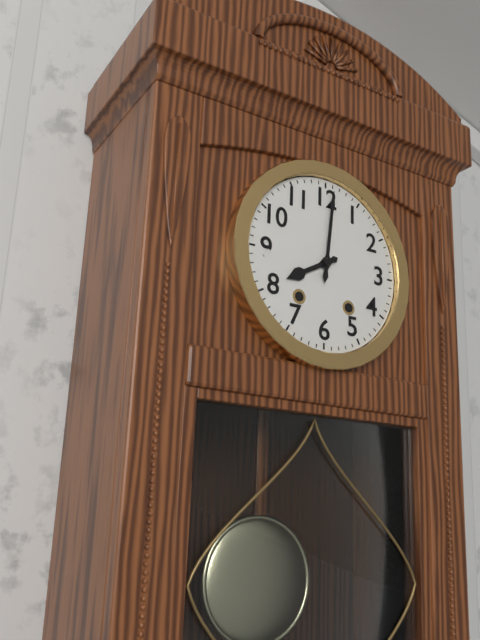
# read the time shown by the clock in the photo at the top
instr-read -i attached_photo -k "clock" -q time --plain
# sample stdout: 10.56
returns 8.01
